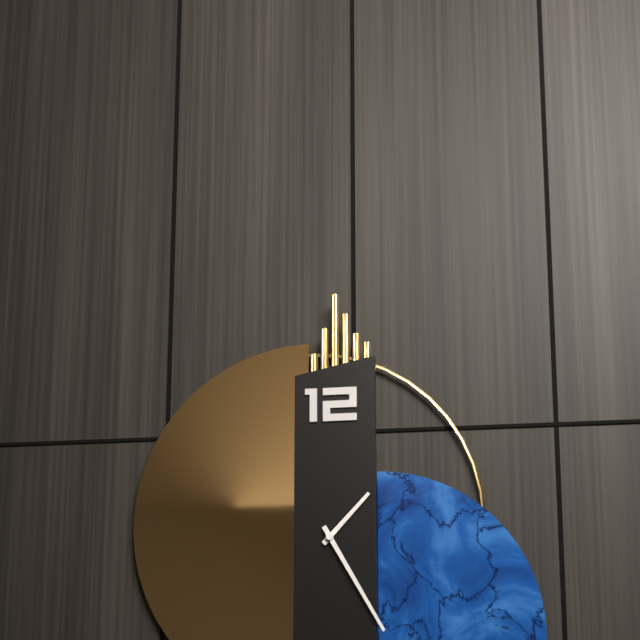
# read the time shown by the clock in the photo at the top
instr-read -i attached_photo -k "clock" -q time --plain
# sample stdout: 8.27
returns 1.25
